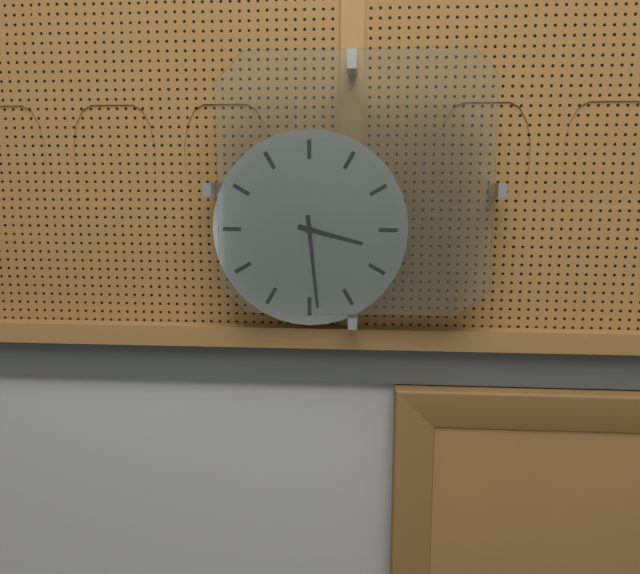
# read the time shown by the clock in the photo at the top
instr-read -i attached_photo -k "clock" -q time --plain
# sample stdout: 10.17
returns 3.29
